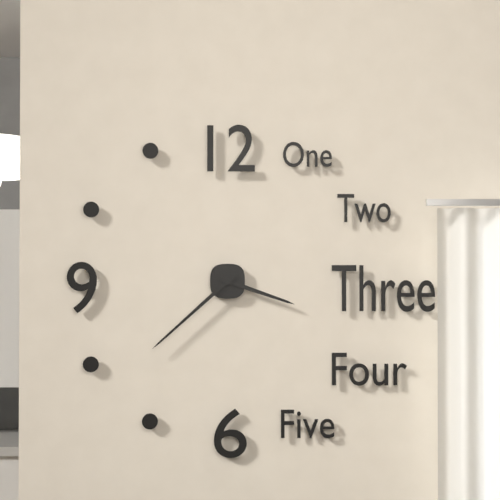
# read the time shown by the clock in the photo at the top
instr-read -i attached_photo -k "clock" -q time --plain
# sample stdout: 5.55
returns 3.38
